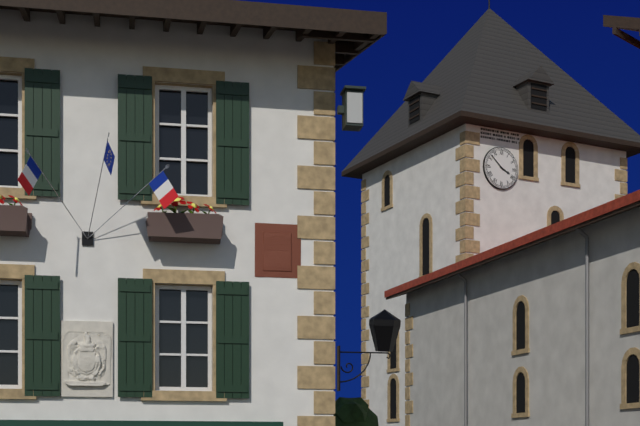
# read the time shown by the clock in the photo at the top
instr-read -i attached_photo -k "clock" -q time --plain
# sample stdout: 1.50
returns 3.52
